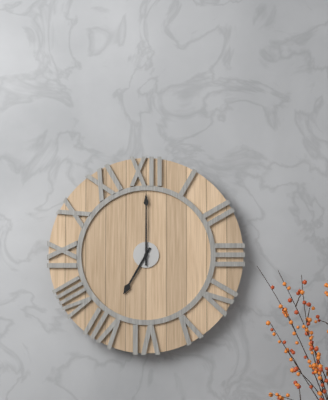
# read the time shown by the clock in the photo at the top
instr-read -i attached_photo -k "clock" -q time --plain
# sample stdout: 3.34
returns 7.00
